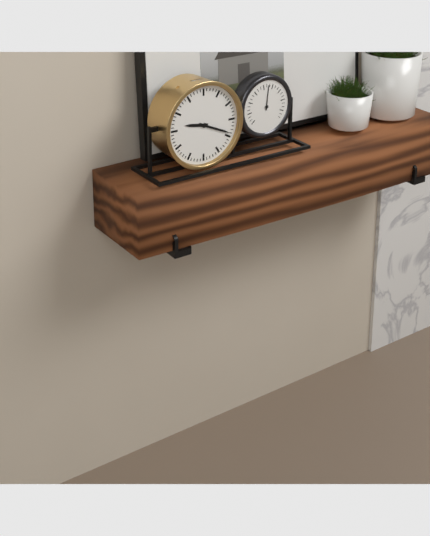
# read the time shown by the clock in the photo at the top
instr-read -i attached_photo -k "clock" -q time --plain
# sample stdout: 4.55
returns 9.19
